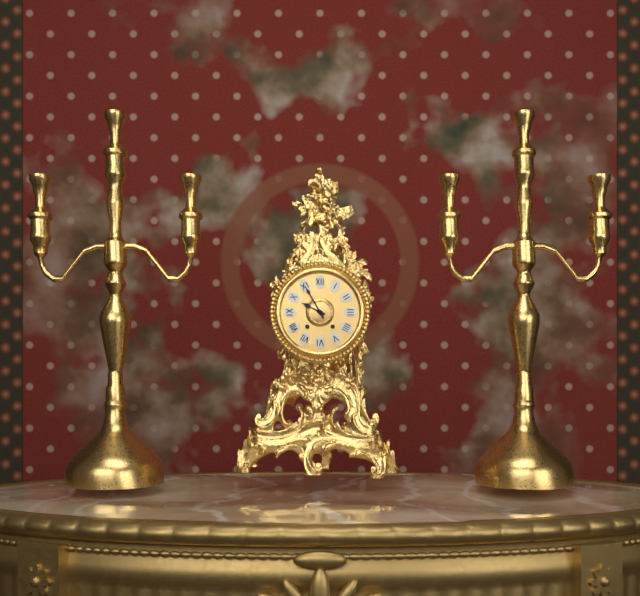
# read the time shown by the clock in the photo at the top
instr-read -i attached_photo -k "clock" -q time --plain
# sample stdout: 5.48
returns 9.55
